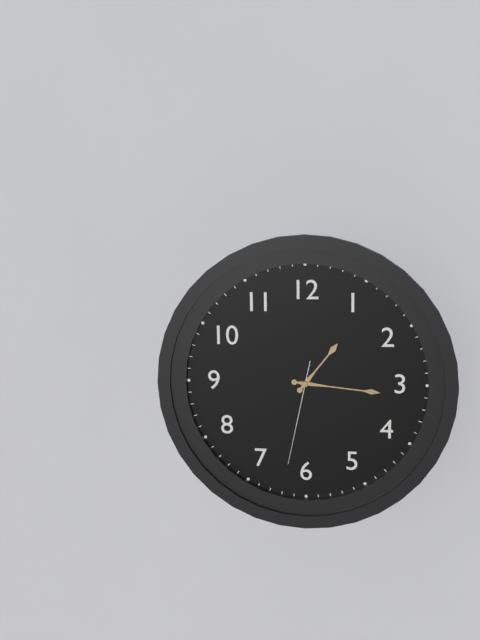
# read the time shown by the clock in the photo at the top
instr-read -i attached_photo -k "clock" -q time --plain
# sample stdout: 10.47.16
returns 1.16.32
